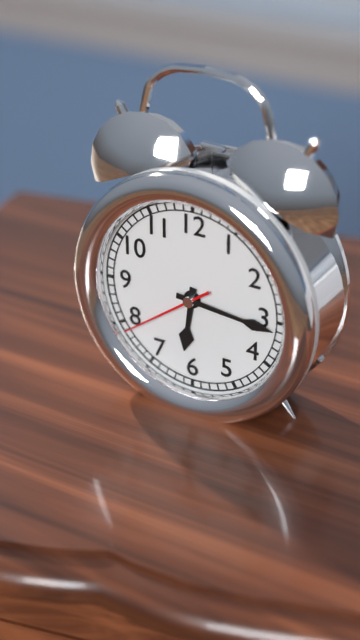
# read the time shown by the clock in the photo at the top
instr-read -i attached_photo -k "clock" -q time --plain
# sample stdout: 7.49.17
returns 6.16.39
